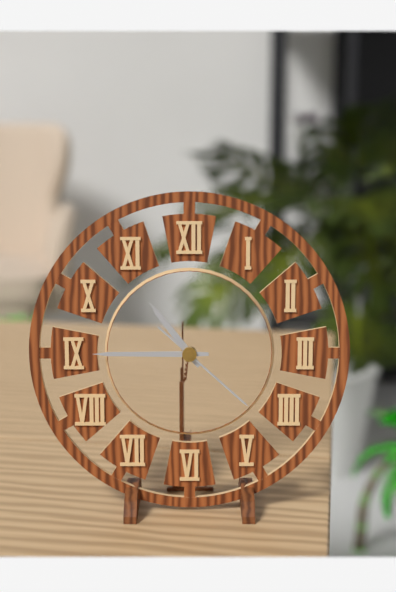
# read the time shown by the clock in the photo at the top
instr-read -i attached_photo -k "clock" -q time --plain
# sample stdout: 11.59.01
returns 10.45.22
